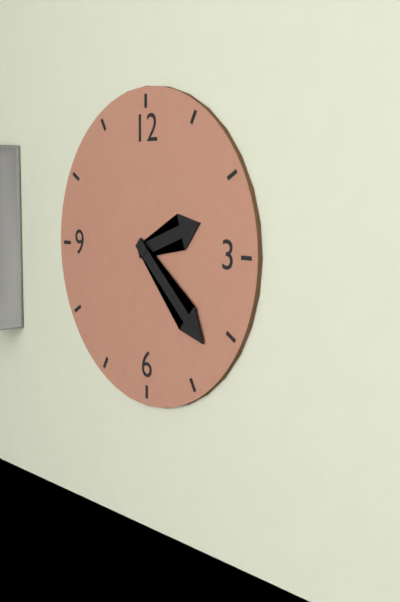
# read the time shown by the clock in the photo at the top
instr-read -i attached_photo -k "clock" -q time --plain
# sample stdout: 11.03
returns 2.22
